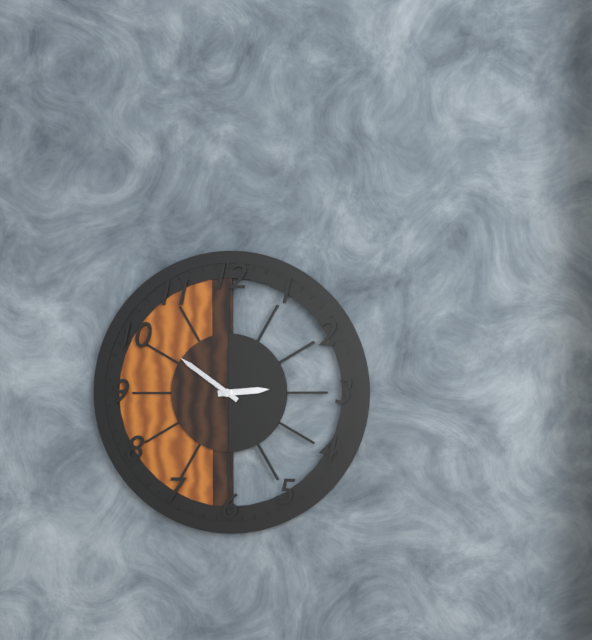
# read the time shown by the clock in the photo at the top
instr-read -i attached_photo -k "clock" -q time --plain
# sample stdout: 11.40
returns 2.51
